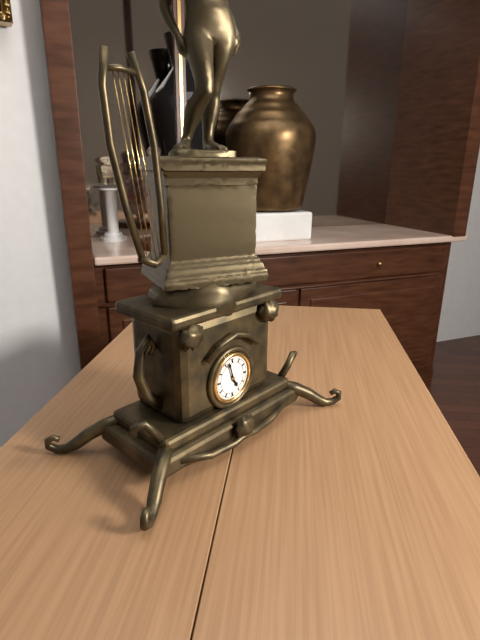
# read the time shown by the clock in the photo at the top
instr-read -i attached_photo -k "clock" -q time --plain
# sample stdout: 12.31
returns 4.57
